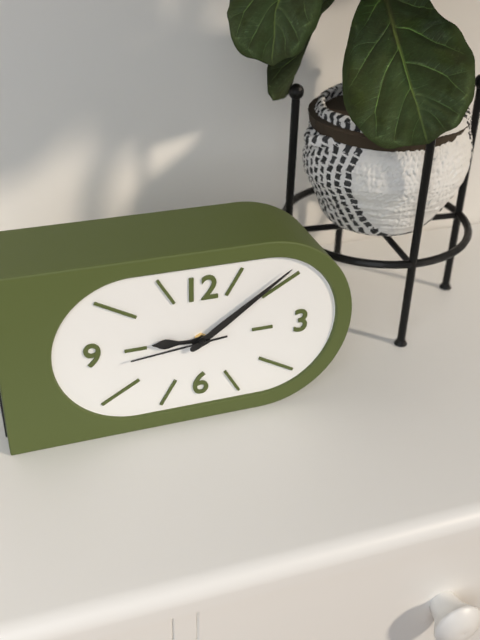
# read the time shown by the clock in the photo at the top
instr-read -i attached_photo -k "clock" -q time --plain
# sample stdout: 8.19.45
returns 9.09.44
